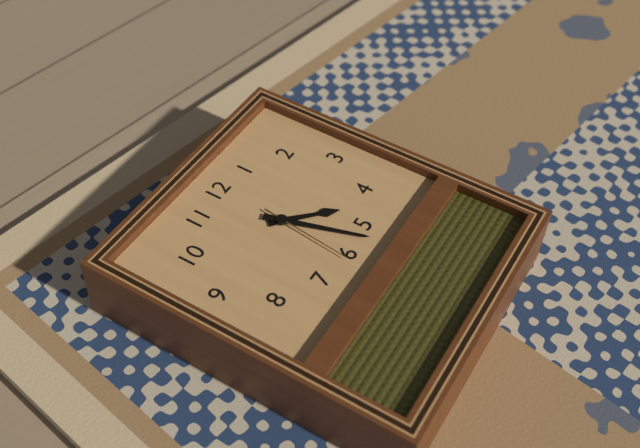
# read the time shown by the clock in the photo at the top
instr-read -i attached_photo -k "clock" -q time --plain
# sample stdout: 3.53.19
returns 4.27.31
